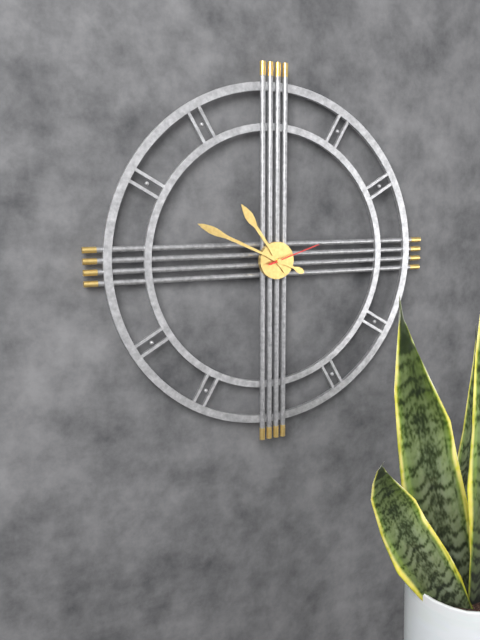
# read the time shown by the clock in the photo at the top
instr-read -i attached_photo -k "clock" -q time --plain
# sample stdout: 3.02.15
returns 10.49.12
